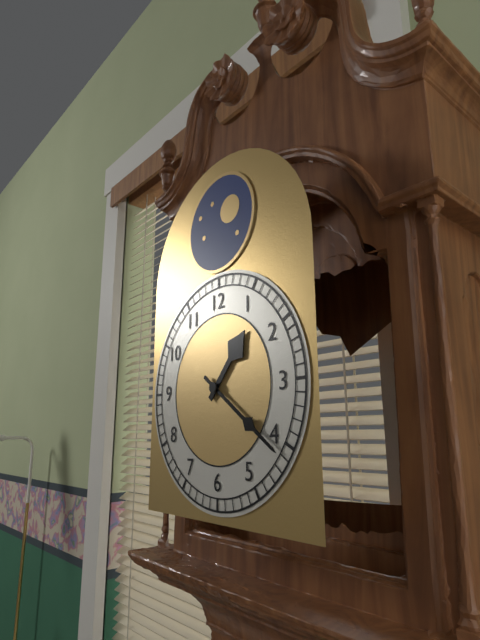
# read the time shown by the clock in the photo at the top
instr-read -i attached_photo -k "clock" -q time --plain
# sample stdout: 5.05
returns 1.21
